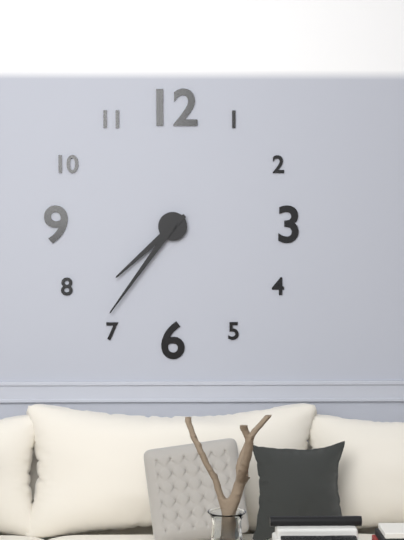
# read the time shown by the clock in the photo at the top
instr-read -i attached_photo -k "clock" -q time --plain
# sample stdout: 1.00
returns 7.36
